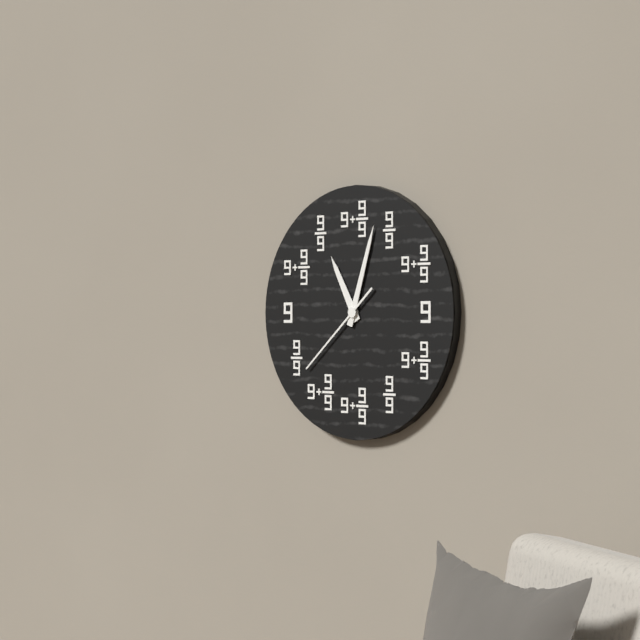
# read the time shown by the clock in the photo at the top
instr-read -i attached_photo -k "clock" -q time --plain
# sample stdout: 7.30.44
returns 11.03.38
